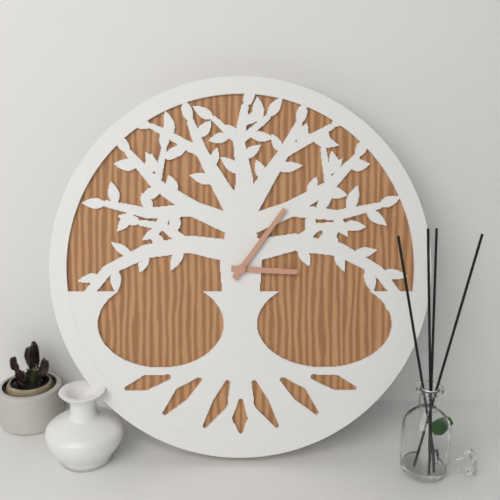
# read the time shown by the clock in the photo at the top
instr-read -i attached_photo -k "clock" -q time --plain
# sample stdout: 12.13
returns 3.06
